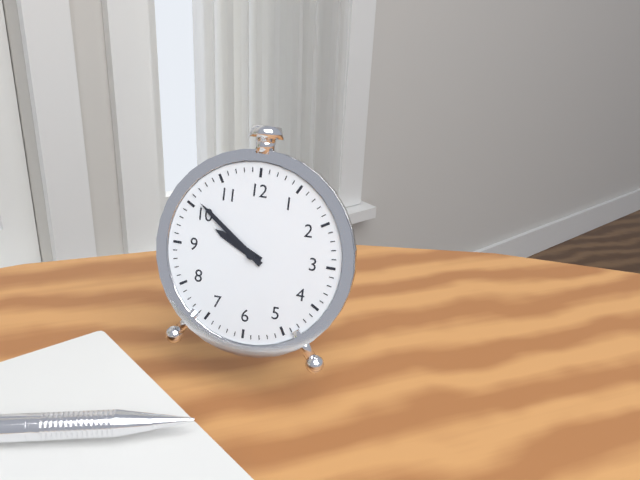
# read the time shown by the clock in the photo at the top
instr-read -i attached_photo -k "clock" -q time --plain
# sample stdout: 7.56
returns 9.51
